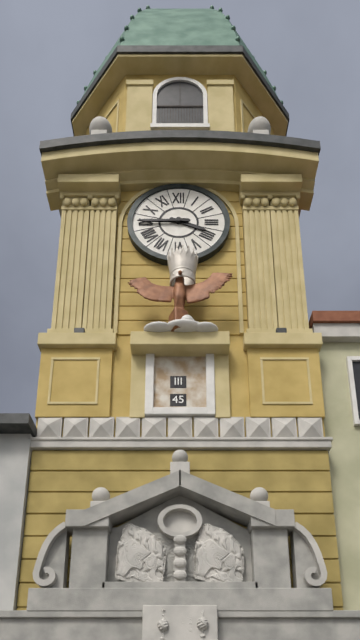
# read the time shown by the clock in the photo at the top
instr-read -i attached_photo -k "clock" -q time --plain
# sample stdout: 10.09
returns 3.45
